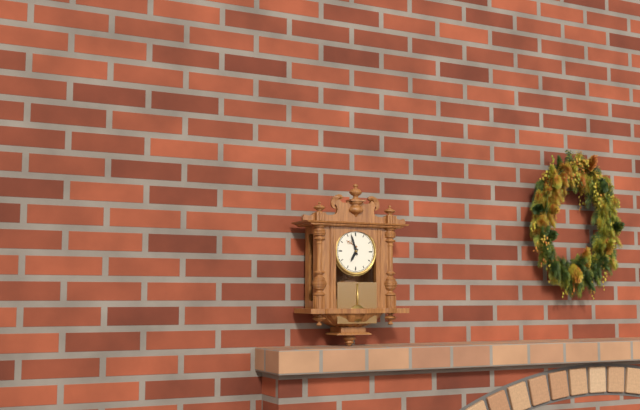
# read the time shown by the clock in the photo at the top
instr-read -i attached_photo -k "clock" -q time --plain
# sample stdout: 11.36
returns 6.57
